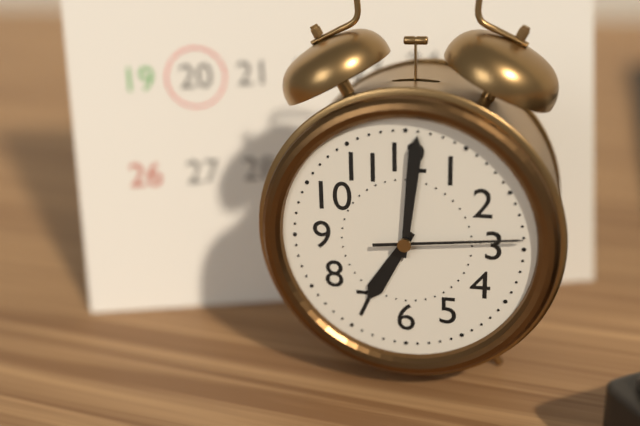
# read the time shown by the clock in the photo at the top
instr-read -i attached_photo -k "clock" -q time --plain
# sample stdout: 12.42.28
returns 7.01.14
